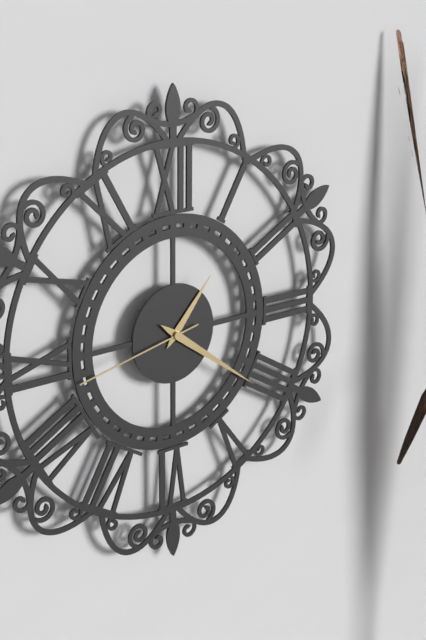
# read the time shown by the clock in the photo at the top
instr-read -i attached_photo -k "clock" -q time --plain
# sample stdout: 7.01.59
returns 1.21.43
